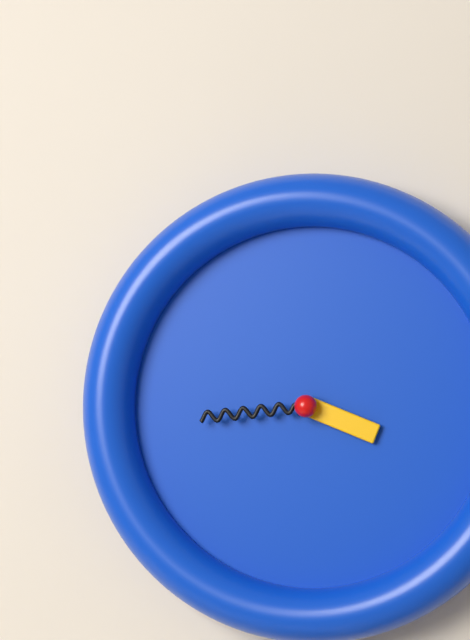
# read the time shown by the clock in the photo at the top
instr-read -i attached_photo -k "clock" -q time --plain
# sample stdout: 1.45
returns 3.44
